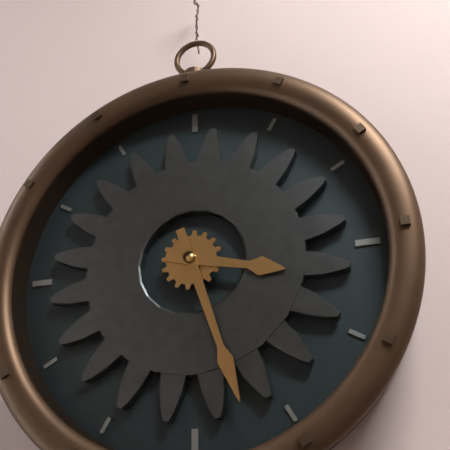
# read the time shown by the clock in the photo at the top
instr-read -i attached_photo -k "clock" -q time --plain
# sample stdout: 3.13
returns 3.27
